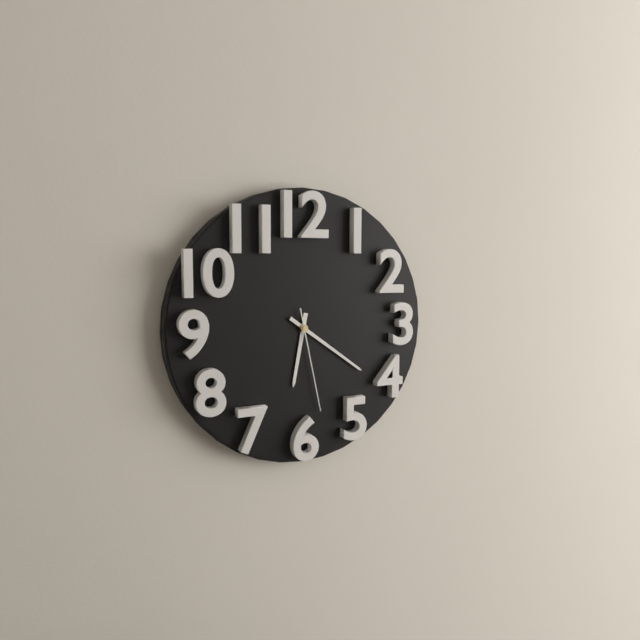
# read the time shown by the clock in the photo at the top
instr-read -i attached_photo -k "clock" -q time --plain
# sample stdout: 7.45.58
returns 6.21.28
